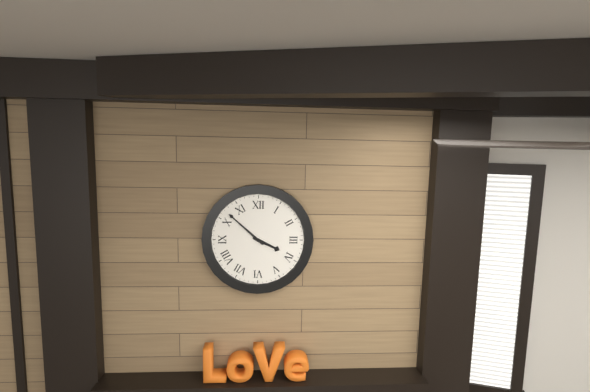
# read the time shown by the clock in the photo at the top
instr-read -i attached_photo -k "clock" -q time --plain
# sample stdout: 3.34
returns 3.52
